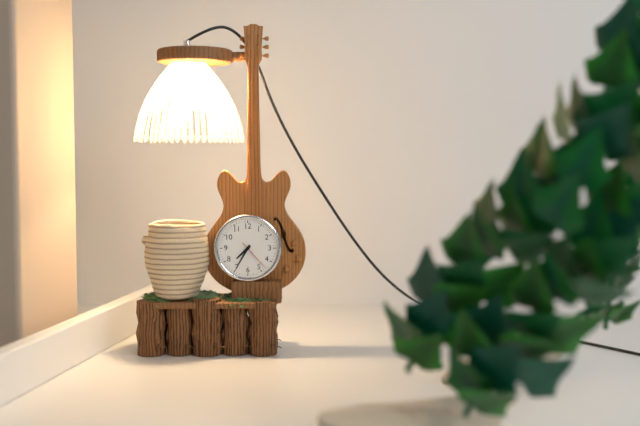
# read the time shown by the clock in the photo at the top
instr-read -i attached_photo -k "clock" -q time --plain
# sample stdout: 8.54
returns 7.35
